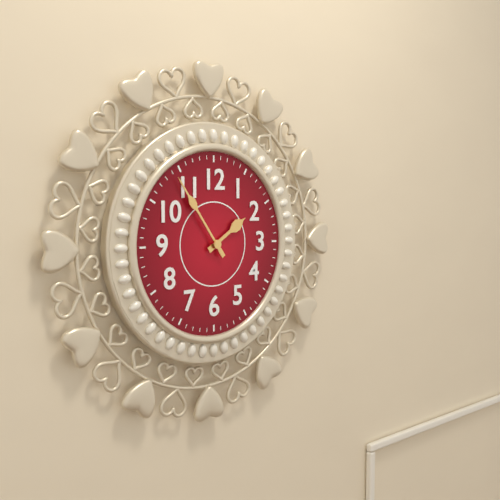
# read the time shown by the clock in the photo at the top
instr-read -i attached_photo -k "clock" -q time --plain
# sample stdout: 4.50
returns 1.54
